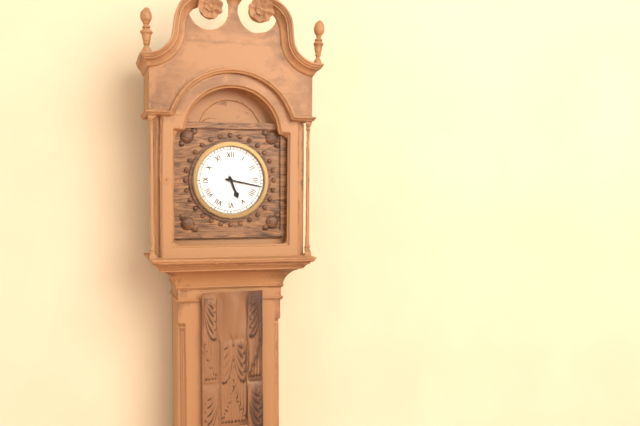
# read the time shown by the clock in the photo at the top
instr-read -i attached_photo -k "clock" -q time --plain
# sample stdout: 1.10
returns 5.17
